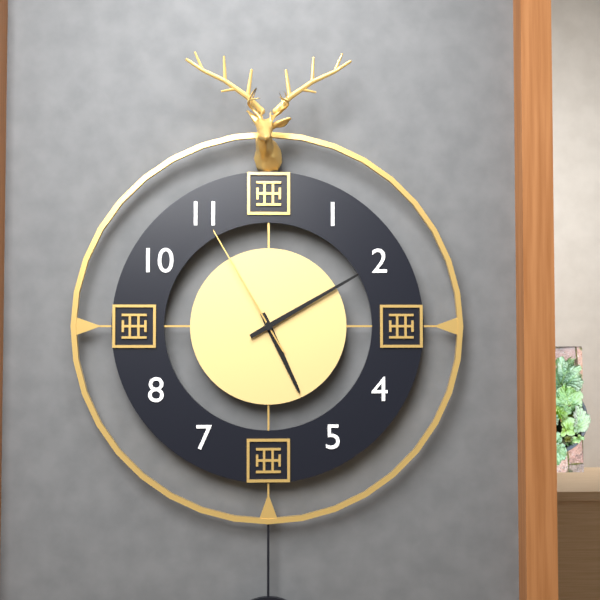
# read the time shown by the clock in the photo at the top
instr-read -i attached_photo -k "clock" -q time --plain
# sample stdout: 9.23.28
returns 5.10.55
